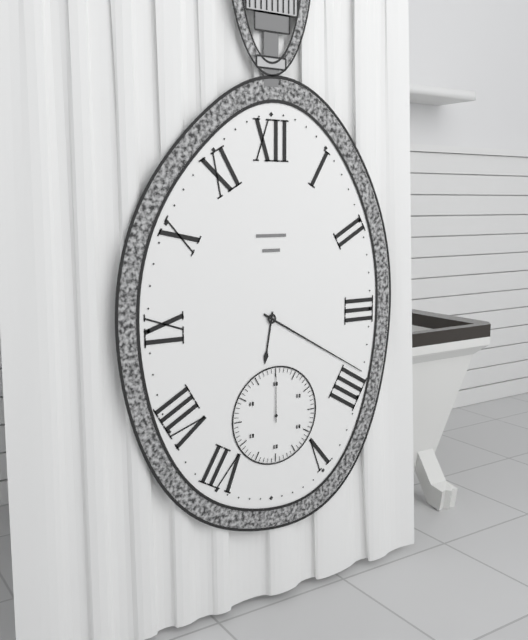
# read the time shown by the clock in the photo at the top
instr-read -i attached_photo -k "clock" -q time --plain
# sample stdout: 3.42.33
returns 6.20.00
